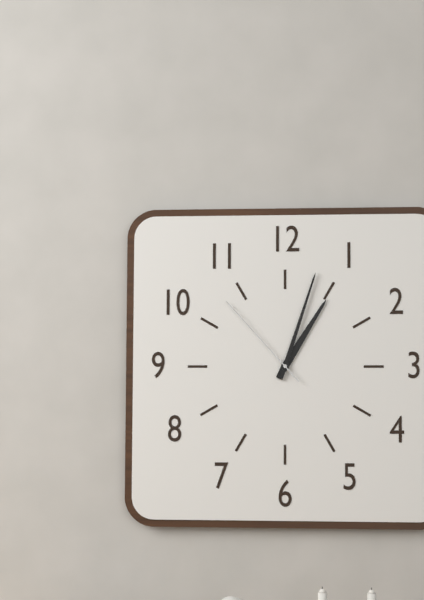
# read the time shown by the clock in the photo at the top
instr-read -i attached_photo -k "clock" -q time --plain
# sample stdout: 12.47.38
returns 1.03.53
